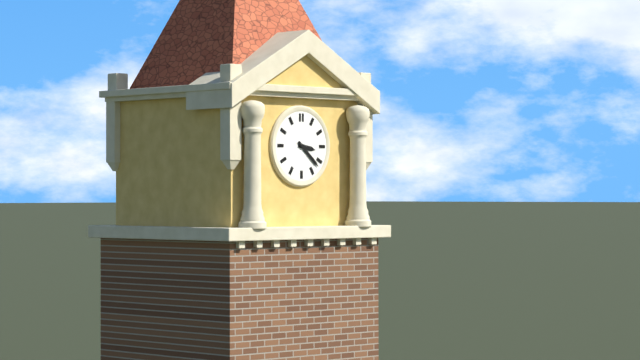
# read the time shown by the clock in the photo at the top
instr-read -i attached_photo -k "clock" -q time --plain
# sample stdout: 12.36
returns 3.22
